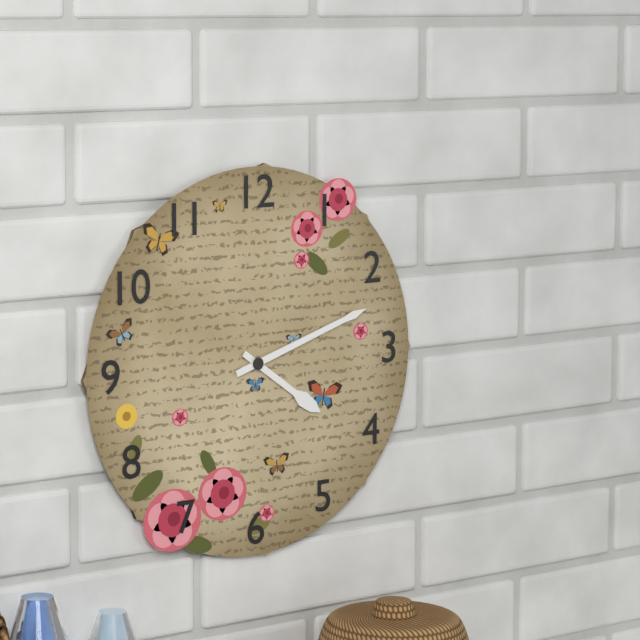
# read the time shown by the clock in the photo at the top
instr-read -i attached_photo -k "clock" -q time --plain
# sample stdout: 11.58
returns 4.12
